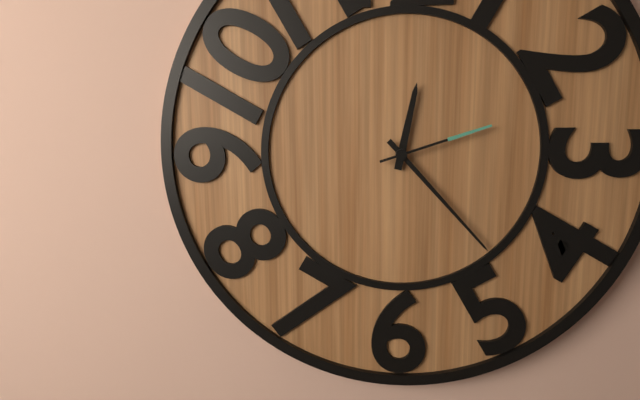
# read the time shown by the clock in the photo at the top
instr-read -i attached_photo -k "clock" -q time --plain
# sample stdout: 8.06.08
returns 12.23.12
